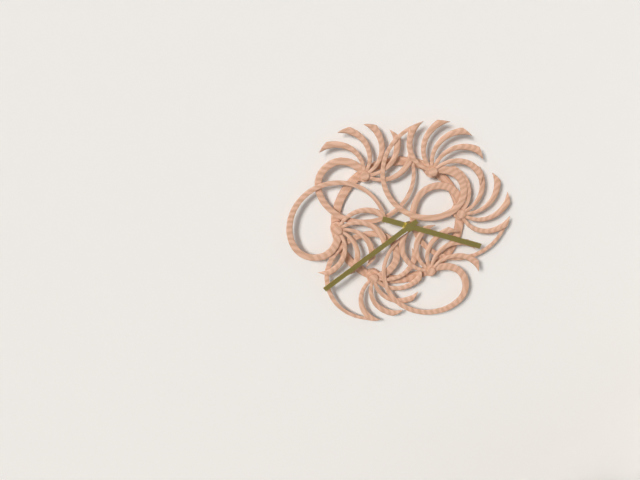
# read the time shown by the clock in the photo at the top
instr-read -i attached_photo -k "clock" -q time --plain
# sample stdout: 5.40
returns 3.39
